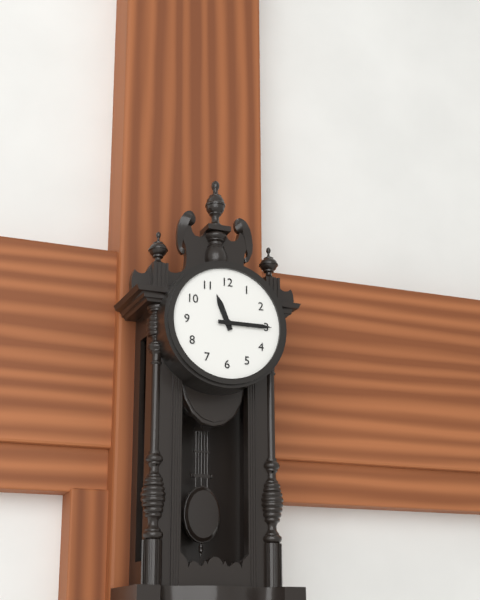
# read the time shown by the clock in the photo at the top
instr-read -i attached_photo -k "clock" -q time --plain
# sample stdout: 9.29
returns 11.15
